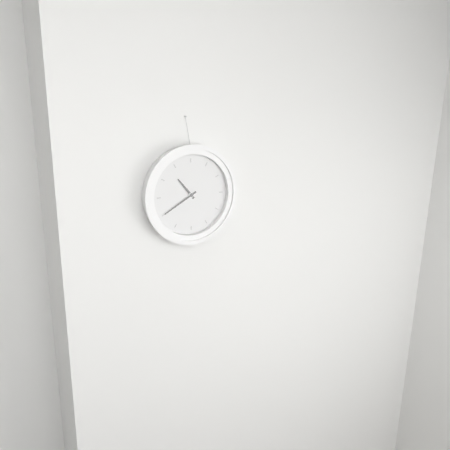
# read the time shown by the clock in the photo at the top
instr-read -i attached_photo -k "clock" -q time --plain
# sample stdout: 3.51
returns 10.40
